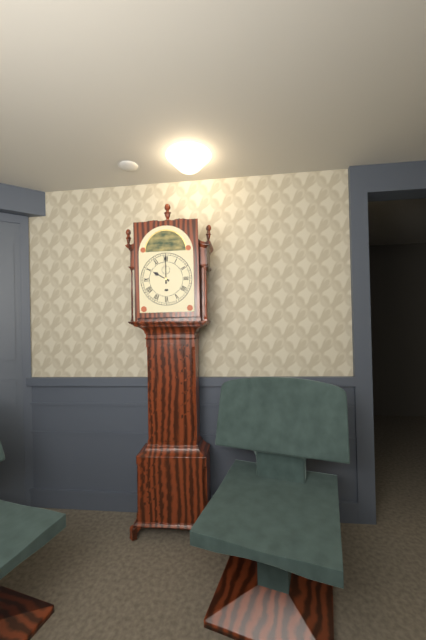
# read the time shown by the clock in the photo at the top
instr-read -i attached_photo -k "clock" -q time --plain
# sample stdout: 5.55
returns 10.00
